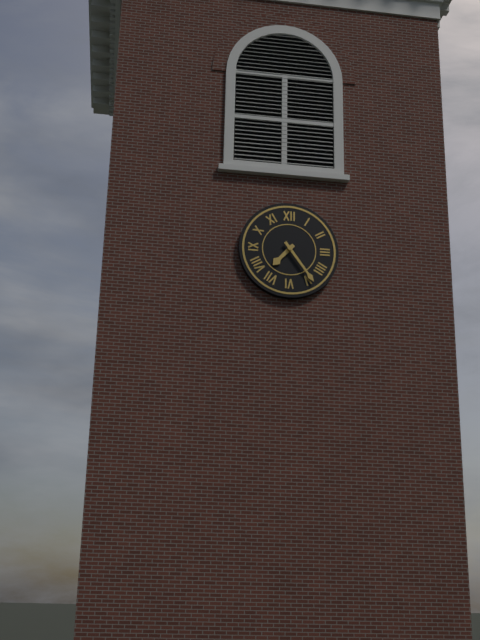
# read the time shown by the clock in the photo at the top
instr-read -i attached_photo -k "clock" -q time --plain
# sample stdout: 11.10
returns 7.24
